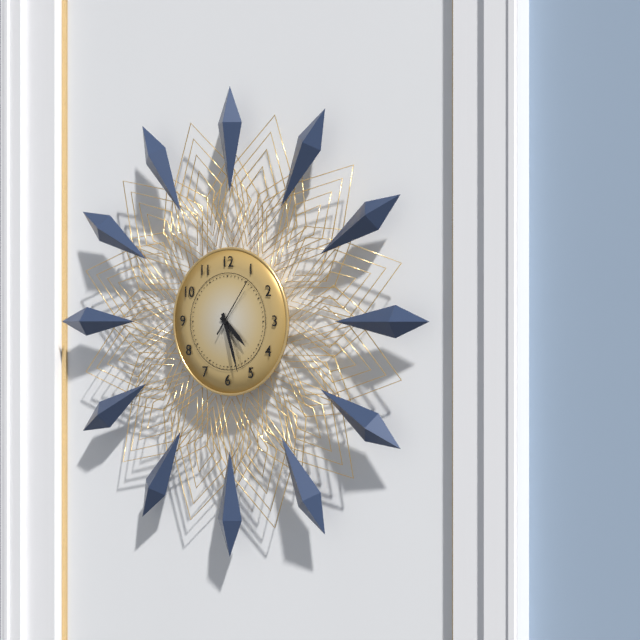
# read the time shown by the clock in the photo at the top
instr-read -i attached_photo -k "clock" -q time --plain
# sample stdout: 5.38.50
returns 4.27.06
